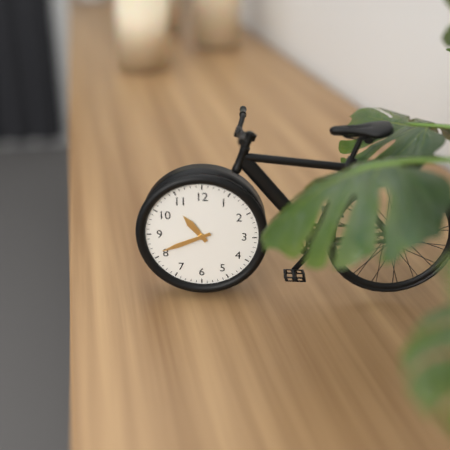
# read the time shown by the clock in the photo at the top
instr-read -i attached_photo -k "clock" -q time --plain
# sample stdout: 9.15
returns 10.41
